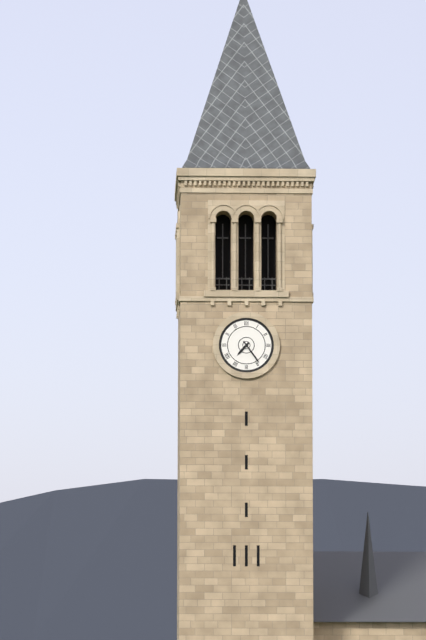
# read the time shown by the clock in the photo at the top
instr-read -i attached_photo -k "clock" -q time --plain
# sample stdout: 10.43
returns 7.24
